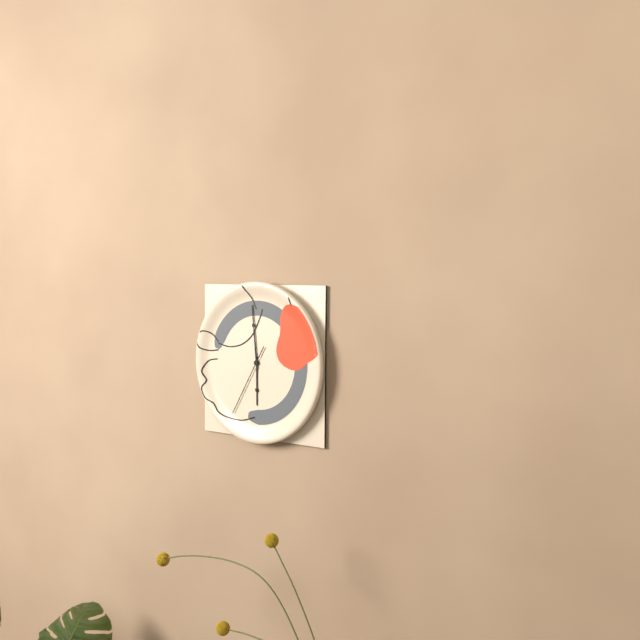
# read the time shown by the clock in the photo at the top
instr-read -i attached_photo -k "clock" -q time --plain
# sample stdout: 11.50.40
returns 5.59.35
